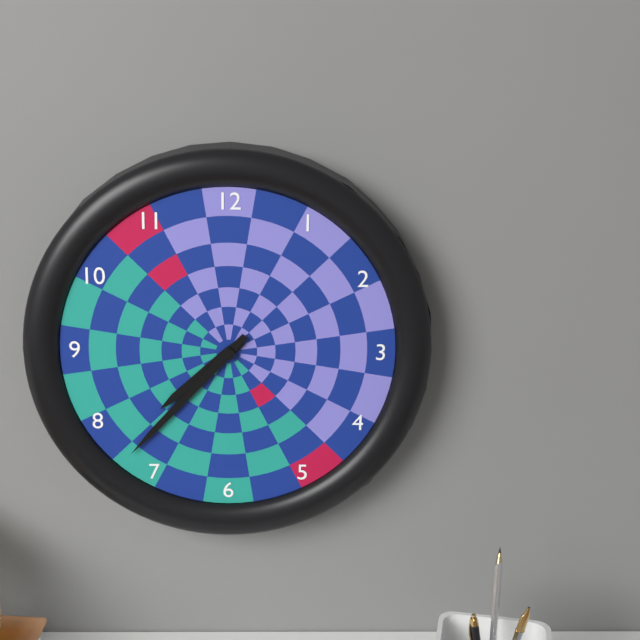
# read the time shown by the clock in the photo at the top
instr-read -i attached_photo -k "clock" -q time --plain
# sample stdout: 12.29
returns 7.37
